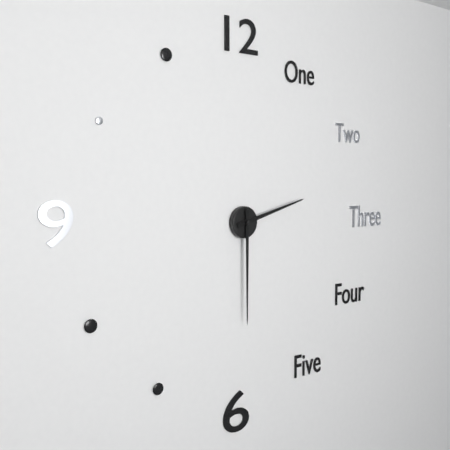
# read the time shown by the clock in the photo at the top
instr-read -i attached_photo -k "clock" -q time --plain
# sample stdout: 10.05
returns 2.30
